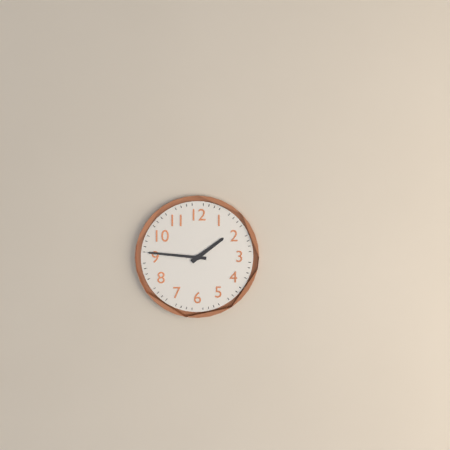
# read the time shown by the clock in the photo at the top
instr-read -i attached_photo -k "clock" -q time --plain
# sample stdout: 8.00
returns 1.46
